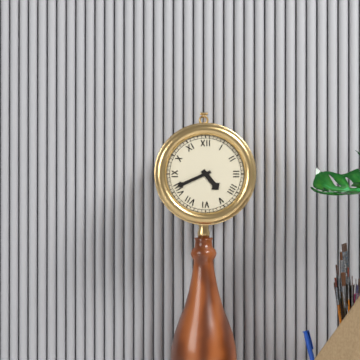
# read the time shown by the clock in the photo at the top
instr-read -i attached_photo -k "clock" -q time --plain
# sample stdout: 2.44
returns 4.41
